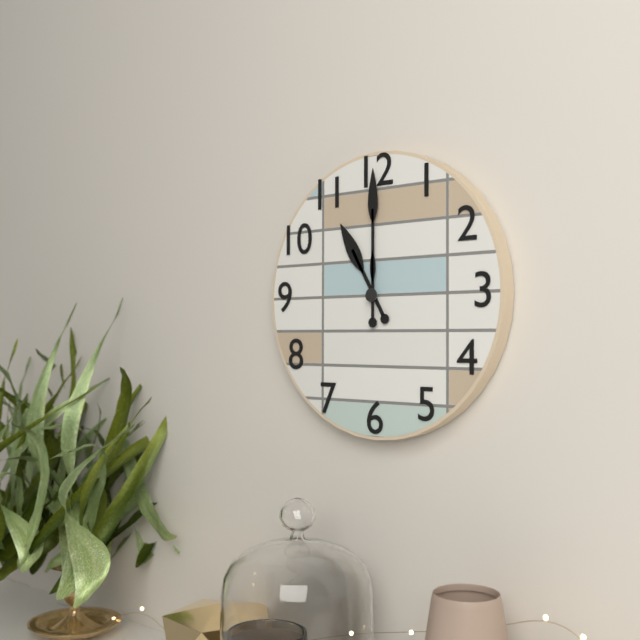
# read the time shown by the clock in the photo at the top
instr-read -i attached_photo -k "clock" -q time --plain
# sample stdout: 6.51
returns 11.00
